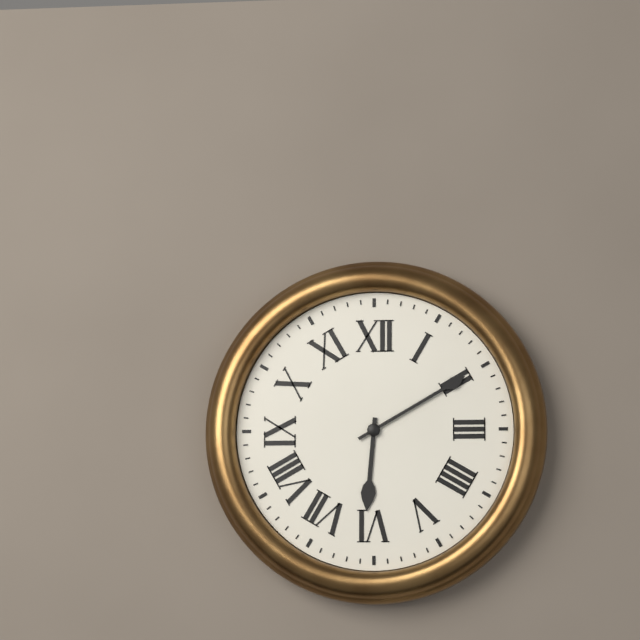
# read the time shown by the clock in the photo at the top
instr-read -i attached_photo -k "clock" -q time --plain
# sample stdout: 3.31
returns 6.10
